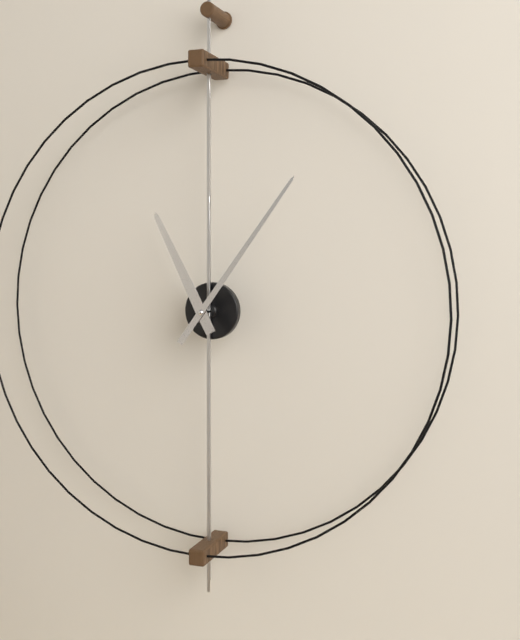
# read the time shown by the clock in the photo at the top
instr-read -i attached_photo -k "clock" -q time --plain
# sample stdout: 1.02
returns 11.06
